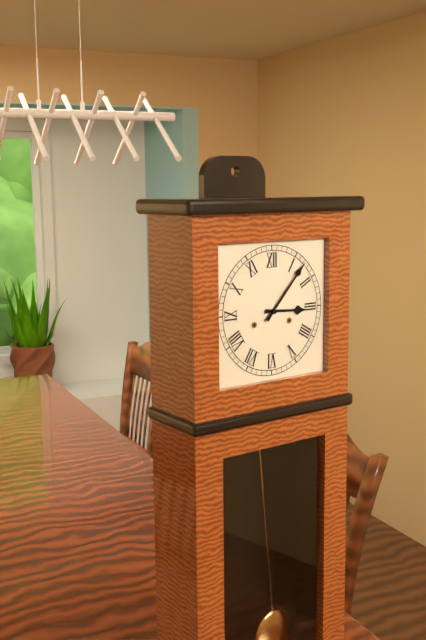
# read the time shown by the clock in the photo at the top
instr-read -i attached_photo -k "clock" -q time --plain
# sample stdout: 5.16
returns 3.07
